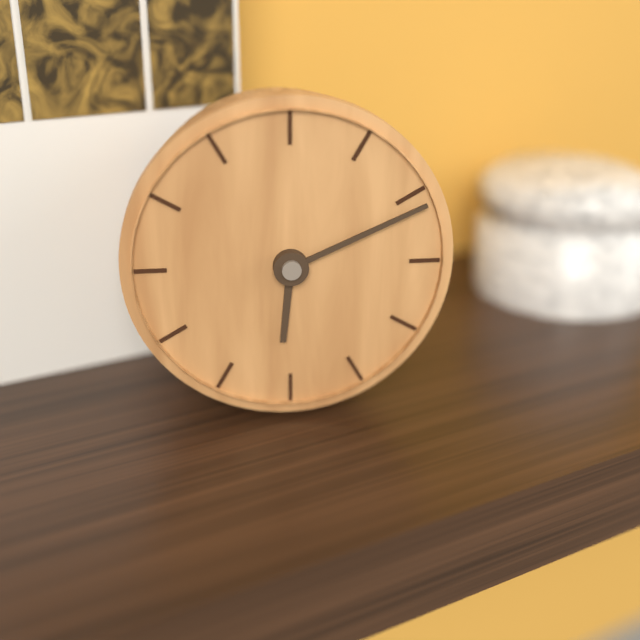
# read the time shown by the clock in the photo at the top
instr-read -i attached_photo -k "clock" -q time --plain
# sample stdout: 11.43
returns 6.11
